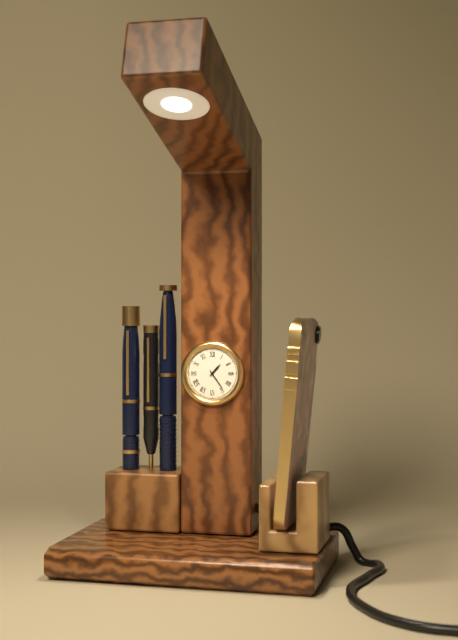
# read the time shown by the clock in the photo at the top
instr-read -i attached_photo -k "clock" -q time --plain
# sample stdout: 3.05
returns 1.24
